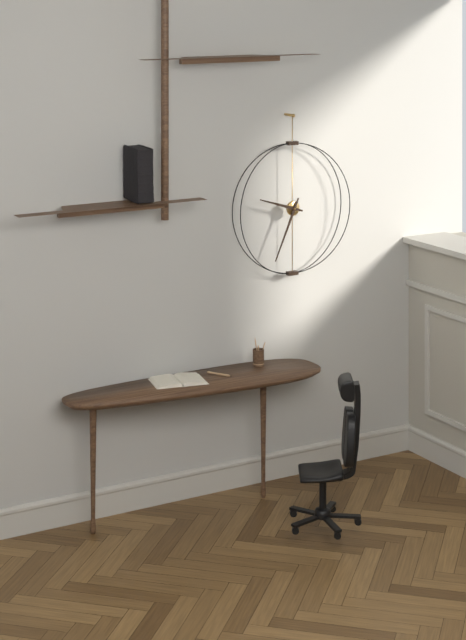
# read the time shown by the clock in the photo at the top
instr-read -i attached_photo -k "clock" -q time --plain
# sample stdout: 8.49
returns 9.34
